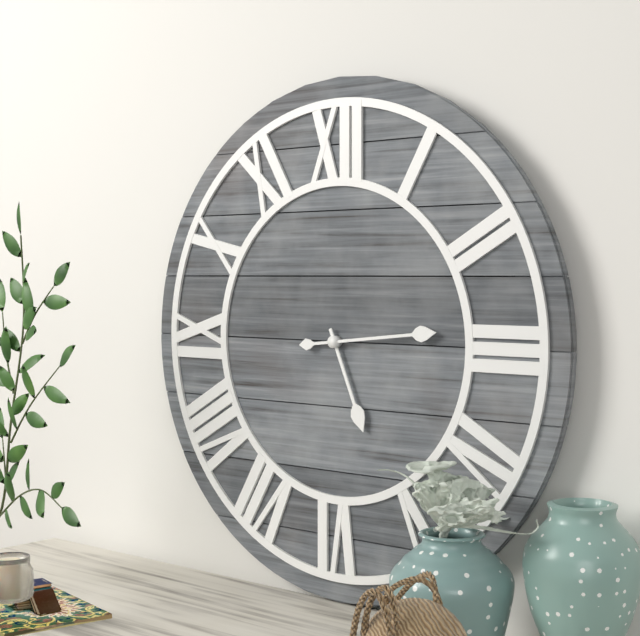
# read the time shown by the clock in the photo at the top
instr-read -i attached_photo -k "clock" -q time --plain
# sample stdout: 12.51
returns 5.14
